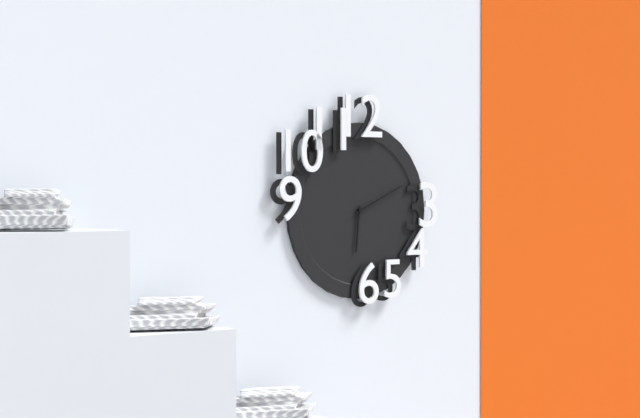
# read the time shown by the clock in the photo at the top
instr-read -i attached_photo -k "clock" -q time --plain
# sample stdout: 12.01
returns 6.11
